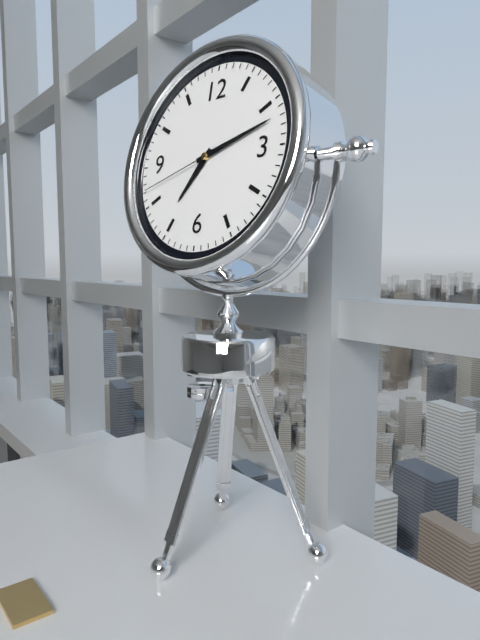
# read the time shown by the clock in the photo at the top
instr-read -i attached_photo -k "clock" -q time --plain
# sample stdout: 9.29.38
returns 7.12.42
